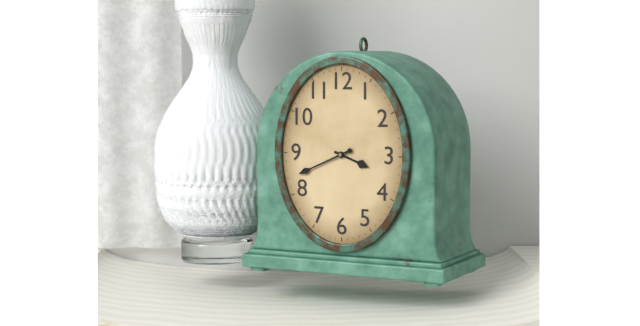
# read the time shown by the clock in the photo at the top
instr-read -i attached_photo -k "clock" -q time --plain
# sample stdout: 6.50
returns 3.41
